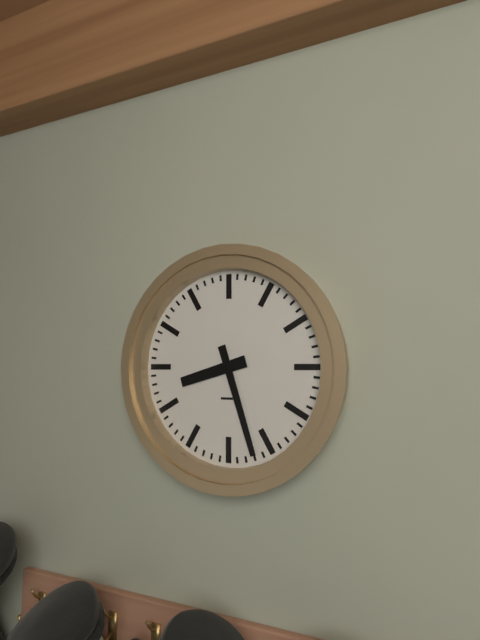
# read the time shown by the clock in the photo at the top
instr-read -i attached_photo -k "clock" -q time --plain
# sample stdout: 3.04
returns 8.27
